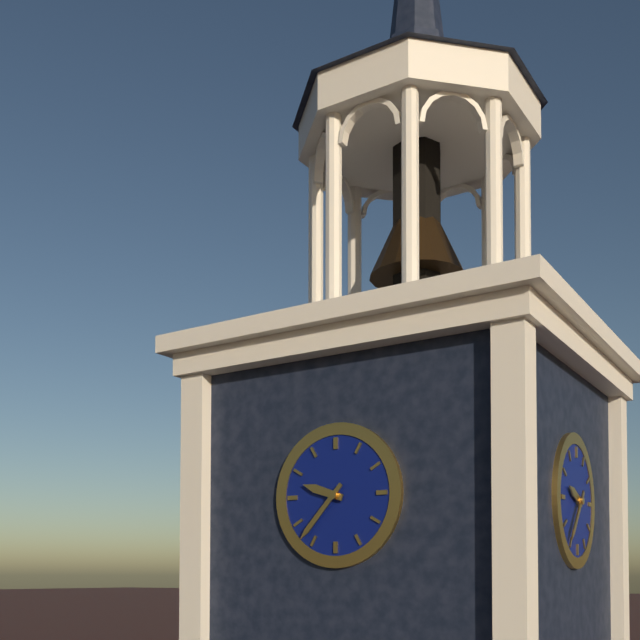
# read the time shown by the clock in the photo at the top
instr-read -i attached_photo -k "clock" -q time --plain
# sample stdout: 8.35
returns 9.37
